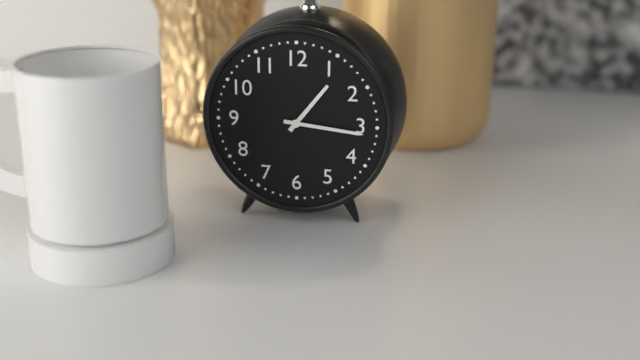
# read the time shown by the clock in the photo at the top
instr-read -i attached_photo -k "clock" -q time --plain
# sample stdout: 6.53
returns 1.16
